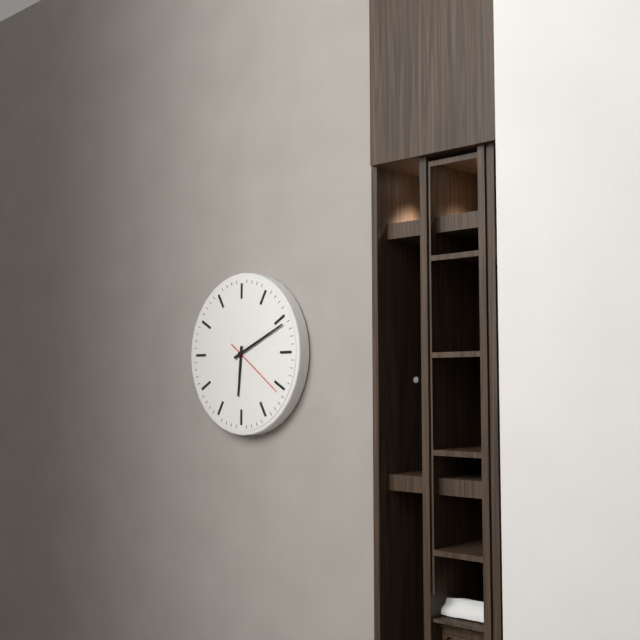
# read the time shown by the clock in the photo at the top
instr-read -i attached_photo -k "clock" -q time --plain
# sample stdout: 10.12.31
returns 6.11.21
